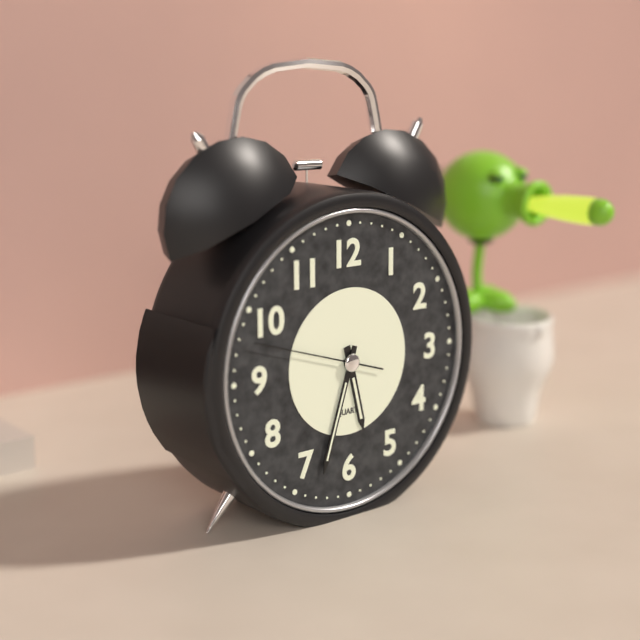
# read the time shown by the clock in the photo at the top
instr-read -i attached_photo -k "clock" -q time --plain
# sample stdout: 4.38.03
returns 5.33.48
